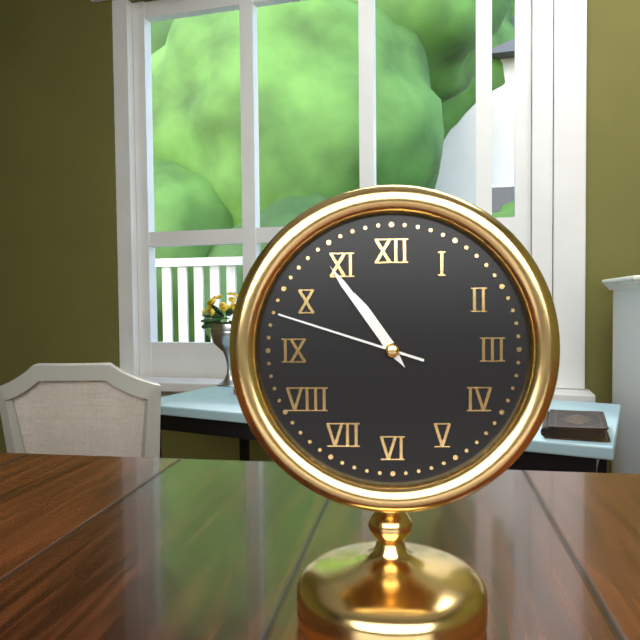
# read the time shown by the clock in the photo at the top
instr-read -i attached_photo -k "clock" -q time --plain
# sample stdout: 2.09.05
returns 10.54.48
